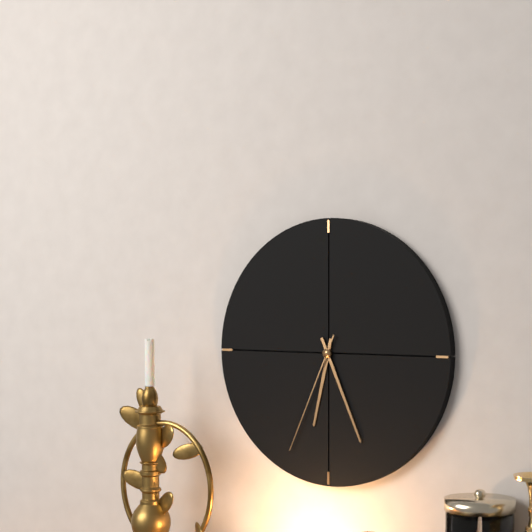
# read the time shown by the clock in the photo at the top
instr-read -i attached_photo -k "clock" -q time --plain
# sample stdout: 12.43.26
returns 6.26.34
